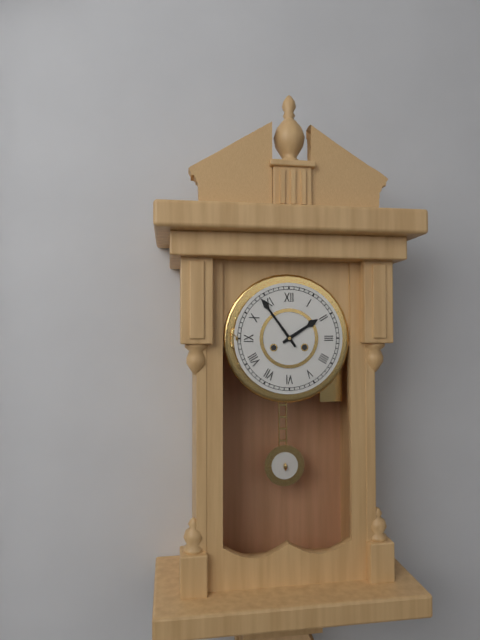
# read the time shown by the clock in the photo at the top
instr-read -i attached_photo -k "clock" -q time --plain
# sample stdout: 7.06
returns 1.54
